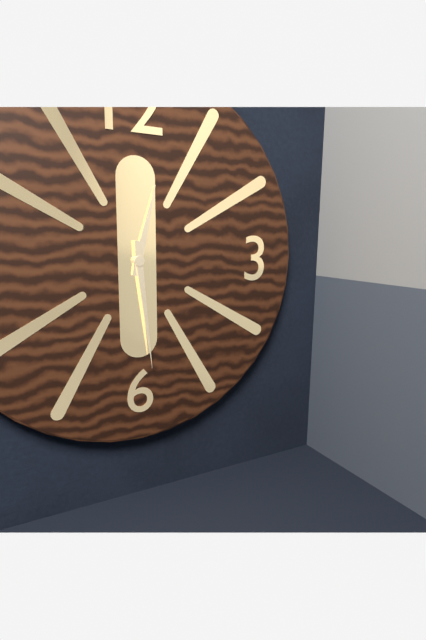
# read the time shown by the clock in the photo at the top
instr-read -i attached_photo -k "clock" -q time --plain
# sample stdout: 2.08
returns 12.29
